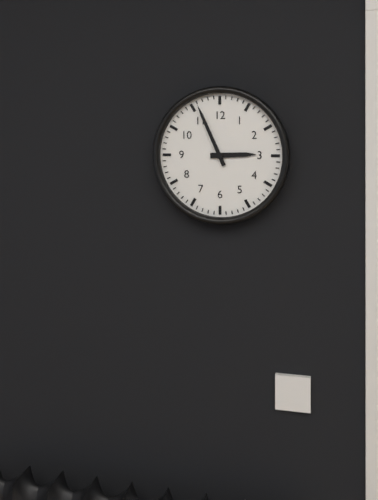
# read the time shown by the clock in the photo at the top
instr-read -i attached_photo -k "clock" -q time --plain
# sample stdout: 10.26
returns 2.56
